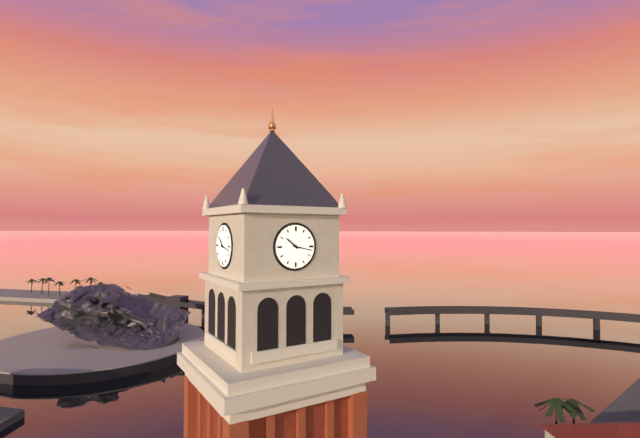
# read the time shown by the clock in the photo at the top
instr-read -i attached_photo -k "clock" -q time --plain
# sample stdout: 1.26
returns 10.17
